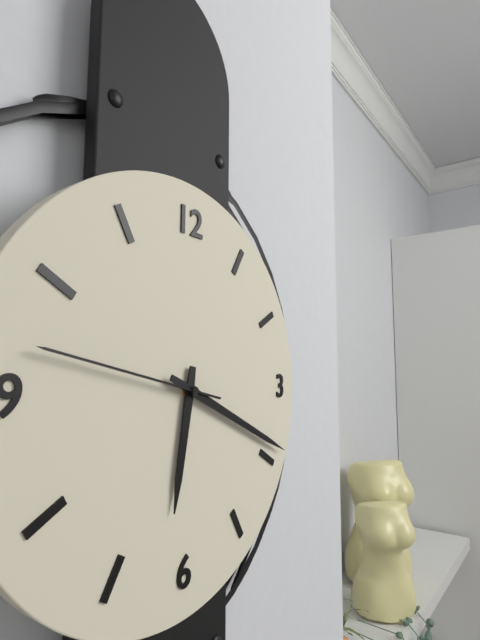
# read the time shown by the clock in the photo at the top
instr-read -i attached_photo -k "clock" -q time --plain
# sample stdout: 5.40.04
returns 6.19.47
